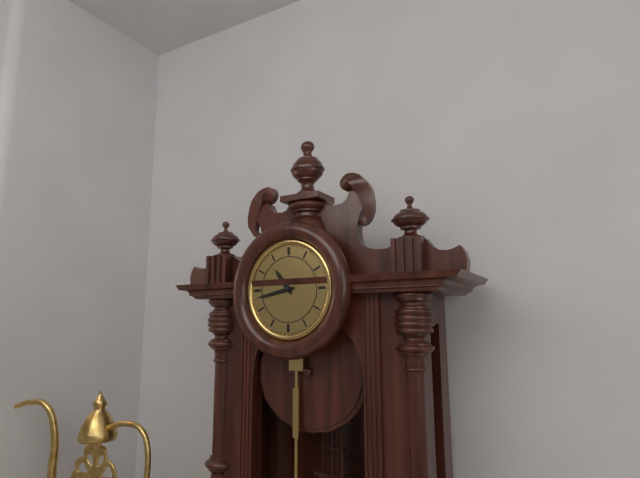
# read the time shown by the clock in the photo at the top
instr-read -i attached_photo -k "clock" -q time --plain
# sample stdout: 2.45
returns 10.43
